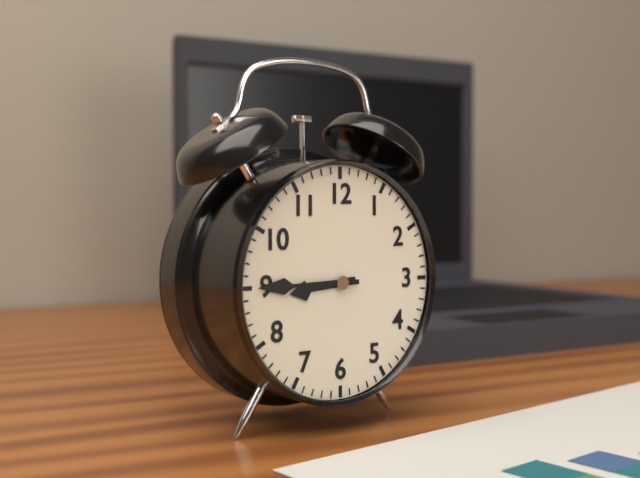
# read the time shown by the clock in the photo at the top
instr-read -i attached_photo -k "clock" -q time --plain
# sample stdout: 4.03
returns 8.45
